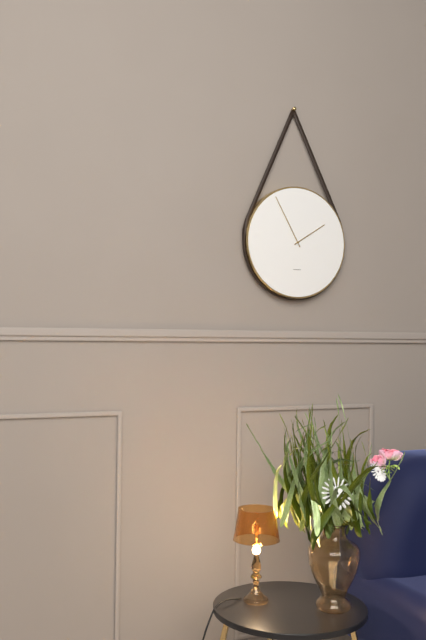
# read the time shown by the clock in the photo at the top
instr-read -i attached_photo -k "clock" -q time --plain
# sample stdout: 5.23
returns 1.55
